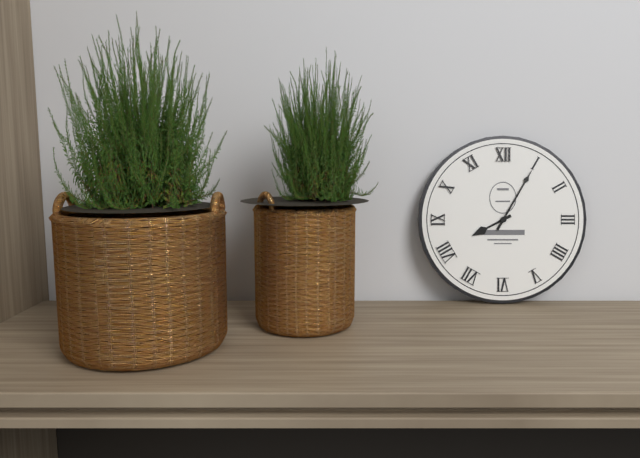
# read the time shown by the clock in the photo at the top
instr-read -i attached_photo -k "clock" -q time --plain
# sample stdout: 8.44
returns 8.05
